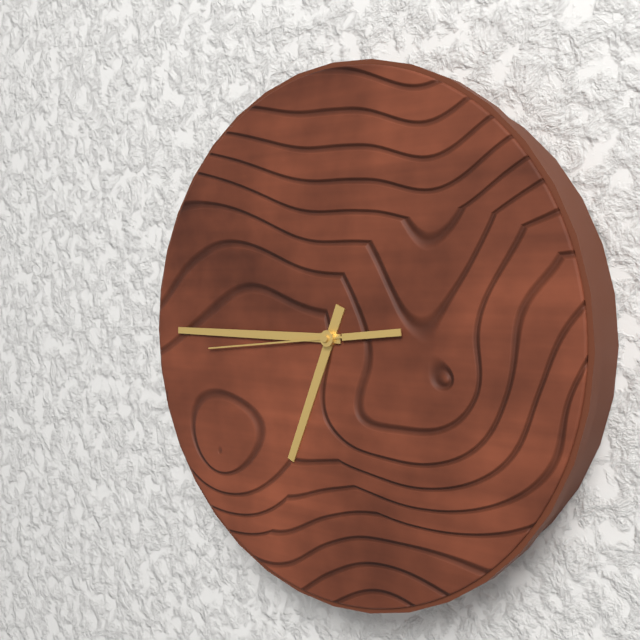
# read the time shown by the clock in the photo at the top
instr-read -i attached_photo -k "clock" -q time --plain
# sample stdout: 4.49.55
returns 6.45.44
